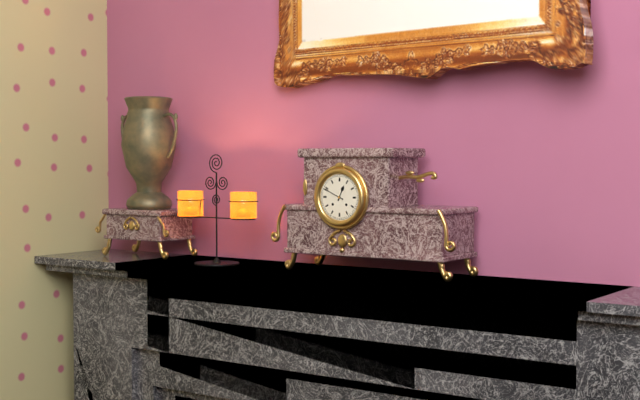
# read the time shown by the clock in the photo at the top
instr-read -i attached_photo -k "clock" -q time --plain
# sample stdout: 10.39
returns 12.49
